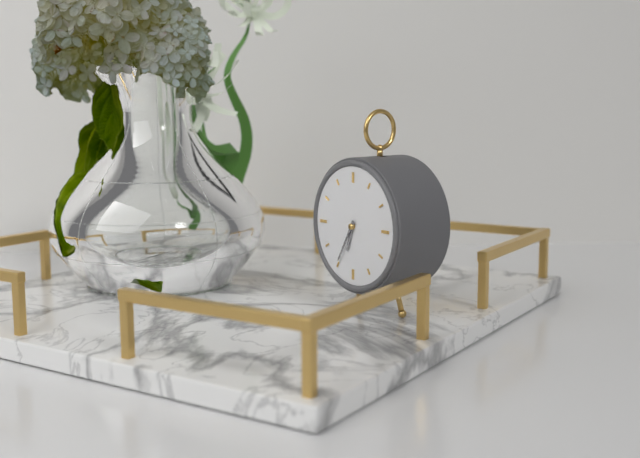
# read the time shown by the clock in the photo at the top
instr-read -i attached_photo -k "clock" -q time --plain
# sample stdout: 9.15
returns 6.35
